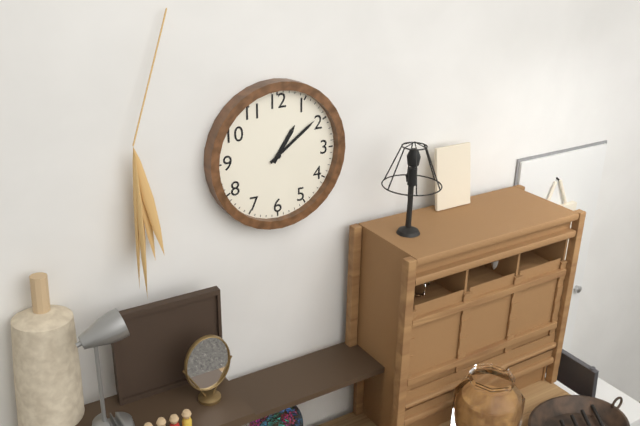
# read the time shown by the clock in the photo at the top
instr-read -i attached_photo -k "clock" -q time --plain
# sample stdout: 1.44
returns 1.09
